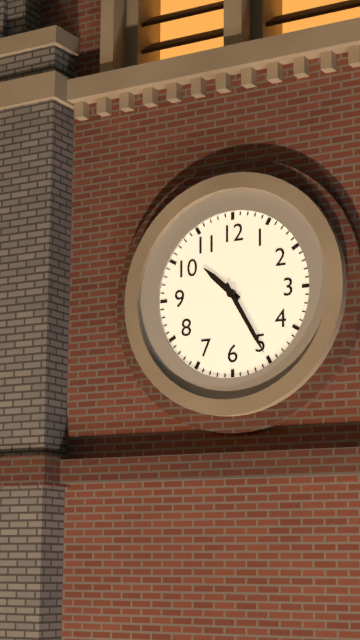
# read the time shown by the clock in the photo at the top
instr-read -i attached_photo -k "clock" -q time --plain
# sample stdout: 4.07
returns 10.25
